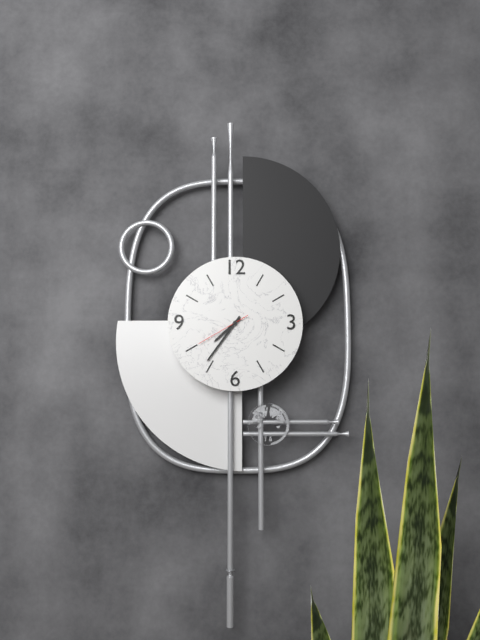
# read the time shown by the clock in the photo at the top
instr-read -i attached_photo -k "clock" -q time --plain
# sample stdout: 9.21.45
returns 7.36.40
